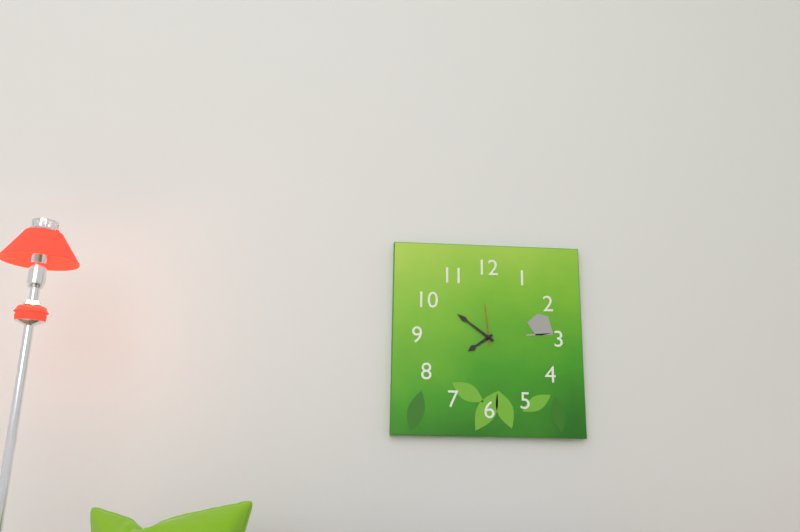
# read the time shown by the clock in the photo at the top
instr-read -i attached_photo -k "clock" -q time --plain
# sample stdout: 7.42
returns 7.51
